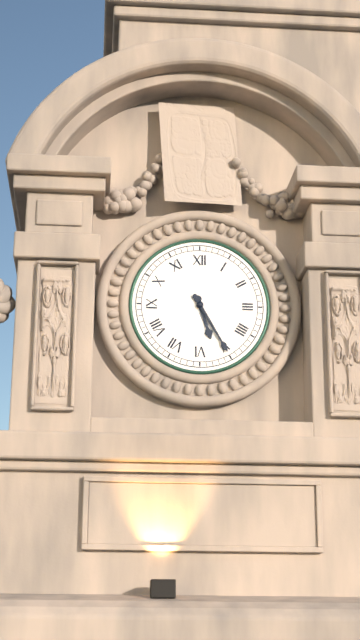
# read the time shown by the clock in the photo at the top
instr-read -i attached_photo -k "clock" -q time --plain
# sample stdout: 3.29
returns 5.25
